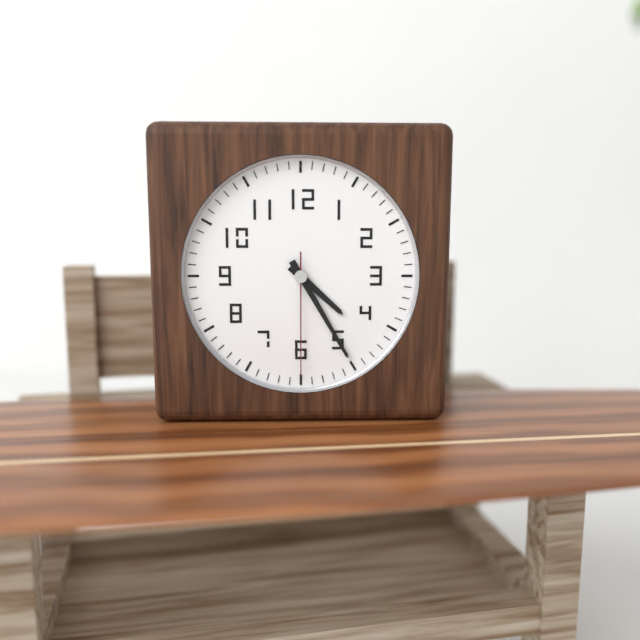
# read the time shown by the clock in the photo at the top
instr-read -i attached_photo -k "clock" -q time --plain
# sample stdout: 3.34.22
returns 4.25.30
